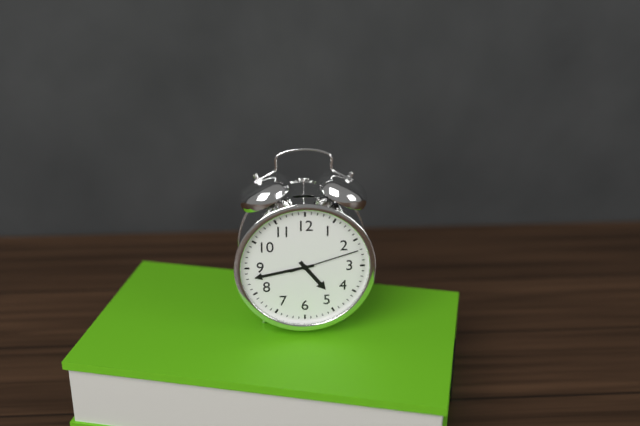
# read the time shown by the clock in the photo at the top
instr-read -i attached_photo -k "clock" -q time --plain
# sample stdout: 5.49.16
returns 4.43.12
